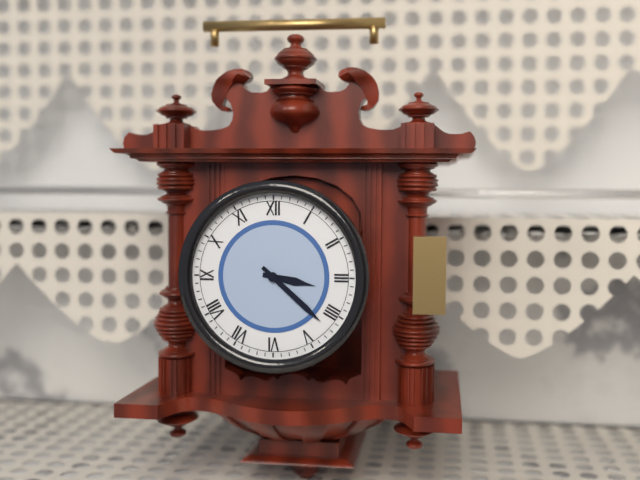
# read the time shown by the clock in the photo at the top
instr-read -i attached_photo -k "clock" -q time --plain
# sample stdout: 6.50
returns 3.22
